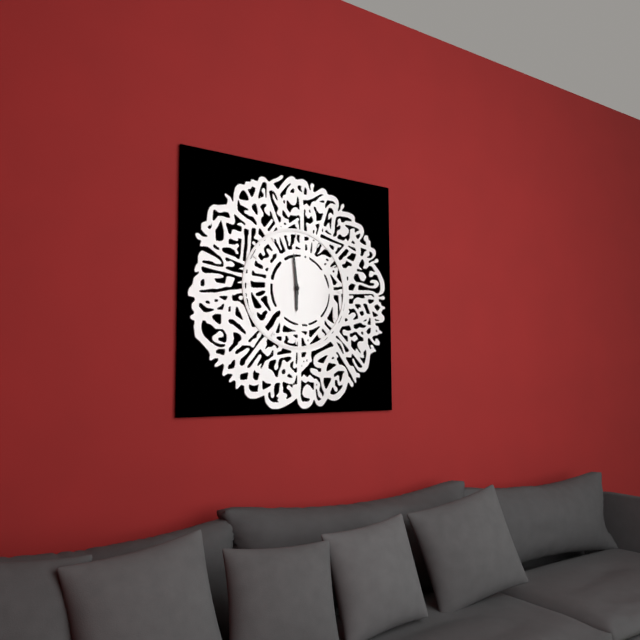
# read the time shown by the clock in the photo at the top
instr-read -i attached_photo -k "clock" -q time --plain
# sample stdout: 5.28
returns 5.59
